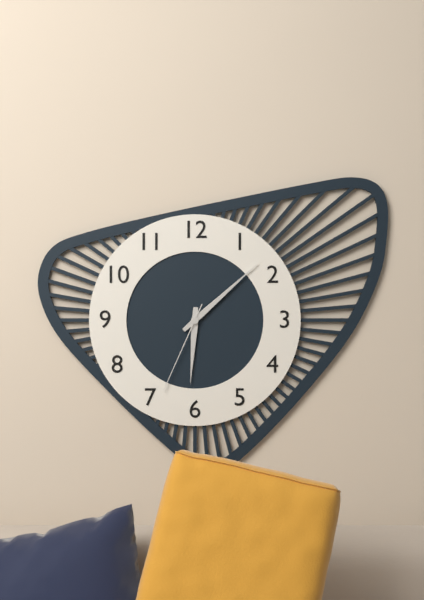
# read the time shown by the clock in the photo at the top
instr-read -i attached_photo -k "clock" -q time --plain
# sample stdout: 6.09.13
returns 6.08.34
